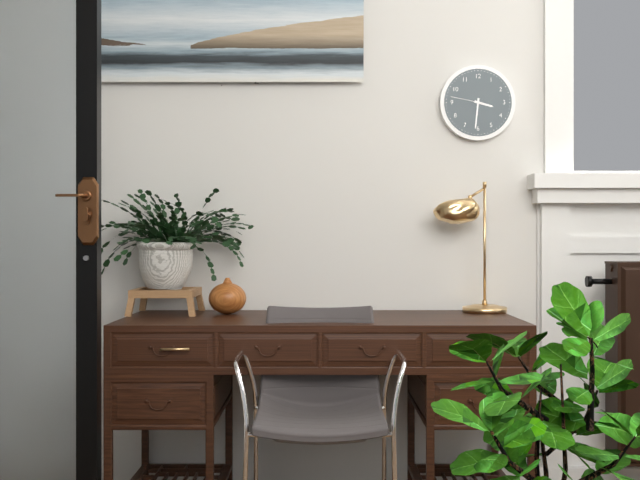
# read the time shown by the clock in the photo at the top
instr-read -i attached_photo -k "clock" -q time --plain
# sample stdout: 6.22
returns 3.31
